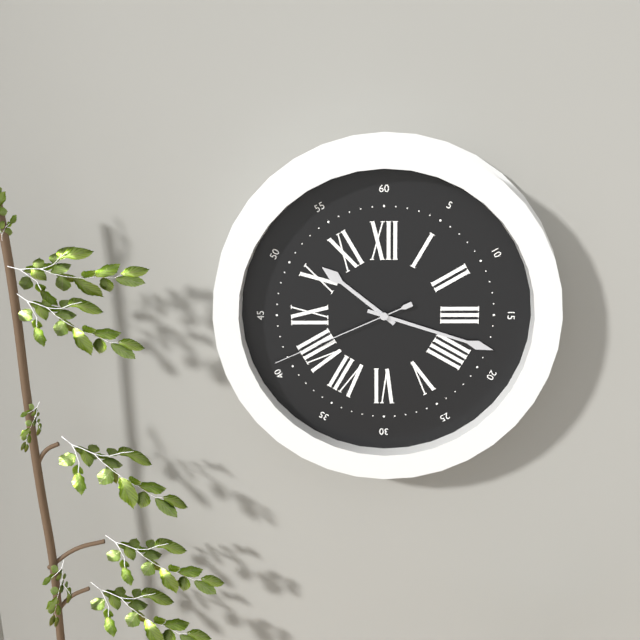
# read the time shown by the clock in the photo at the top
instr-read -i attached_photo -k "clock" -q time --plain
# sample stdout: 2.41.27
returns 10.18.41
